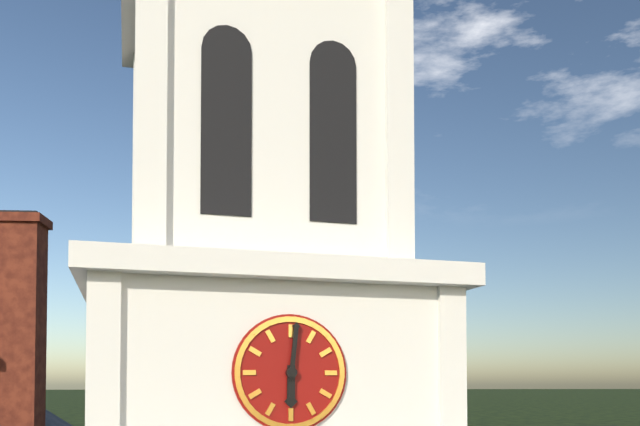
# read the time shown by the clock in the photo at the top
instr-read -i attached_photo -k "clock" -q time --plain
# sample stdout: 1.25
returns 6.01
